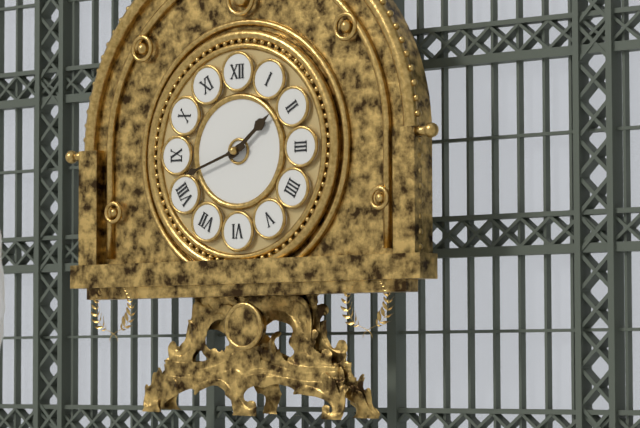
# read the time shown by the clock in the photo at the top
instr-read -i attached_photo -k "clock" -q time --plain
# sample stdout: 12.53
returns 1.42
